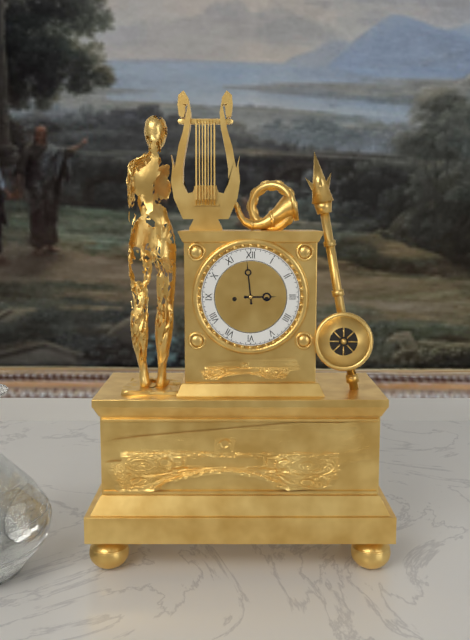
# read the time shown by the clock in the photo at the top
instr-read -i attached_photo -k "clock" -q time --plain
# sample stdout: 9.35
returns 2.59
